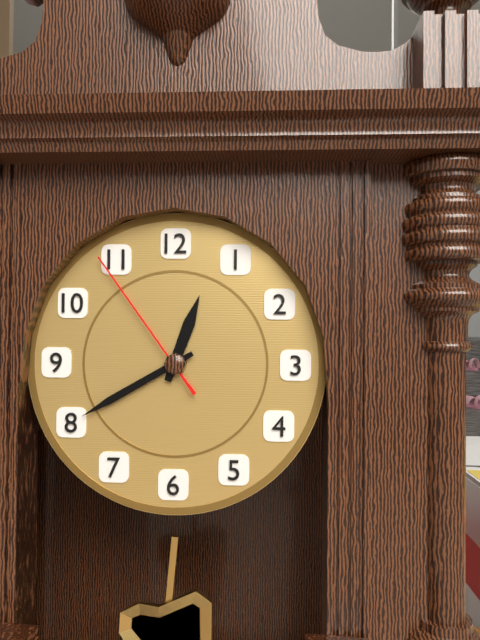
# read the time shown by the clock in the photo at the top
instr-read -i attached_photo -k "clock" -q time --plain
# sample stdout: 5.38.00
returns 12.40.54
